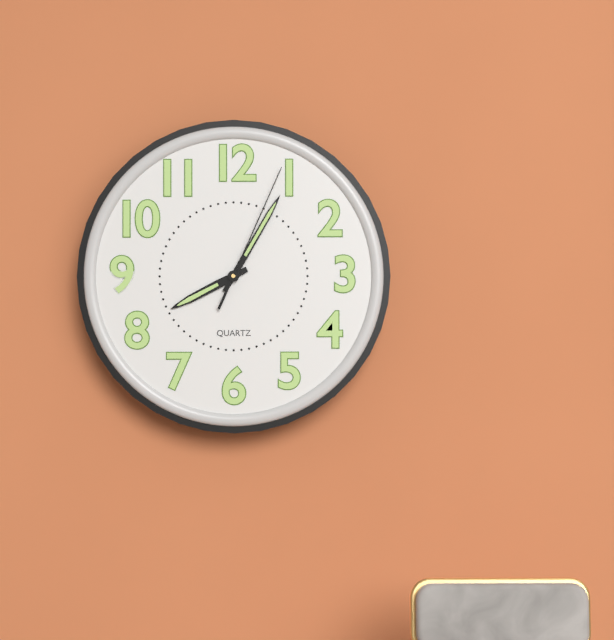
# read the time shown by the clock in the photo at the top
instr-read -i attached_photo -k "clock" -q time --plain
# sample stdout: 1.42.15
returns 8.05.04
